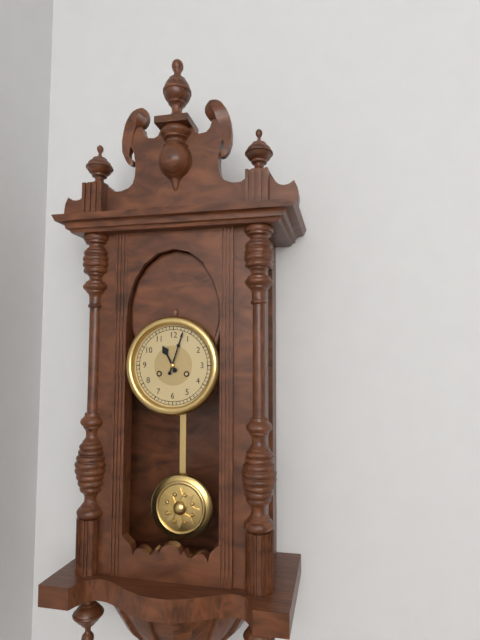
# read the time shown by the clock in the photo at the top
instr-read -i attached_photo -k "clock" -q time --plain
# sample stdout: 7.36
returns 11.03
